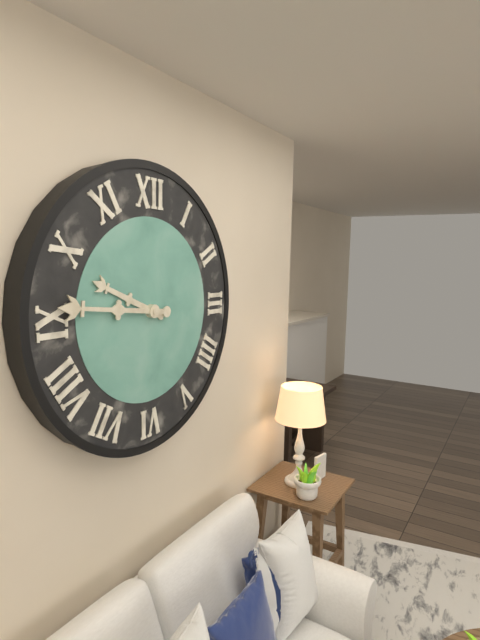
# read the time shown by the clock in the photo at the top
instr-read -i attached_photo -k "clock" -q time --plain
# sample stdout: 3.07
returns 9.46
